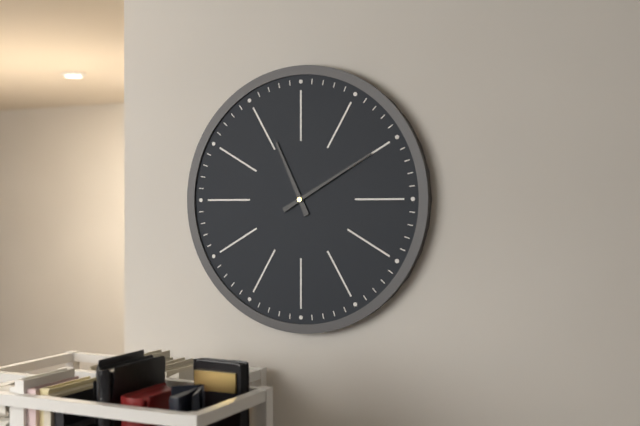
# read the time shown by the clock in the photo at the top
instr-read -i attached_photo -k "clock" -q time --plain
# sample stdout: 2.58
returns 11.10
